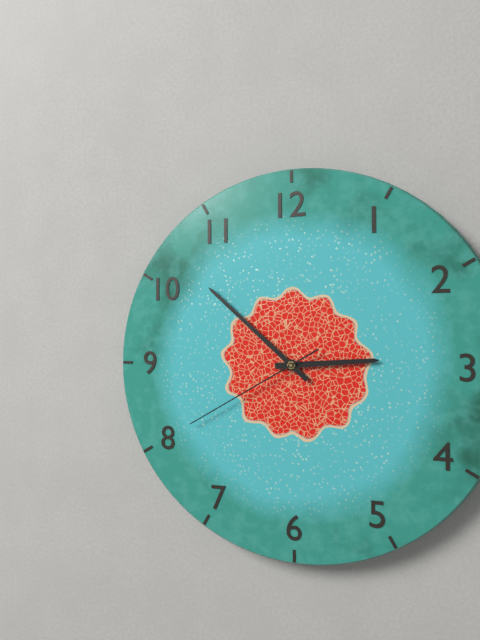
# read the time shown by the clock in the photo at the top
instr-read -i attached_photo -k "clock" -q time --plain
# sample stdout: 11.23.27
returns 2.52.40
